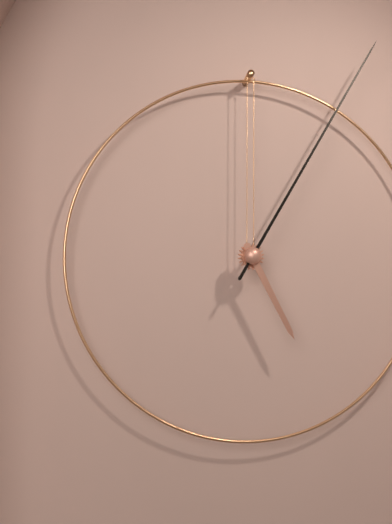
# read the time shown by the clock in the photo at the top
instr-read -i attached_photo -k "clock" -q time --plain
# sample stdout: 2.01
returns 5.05
